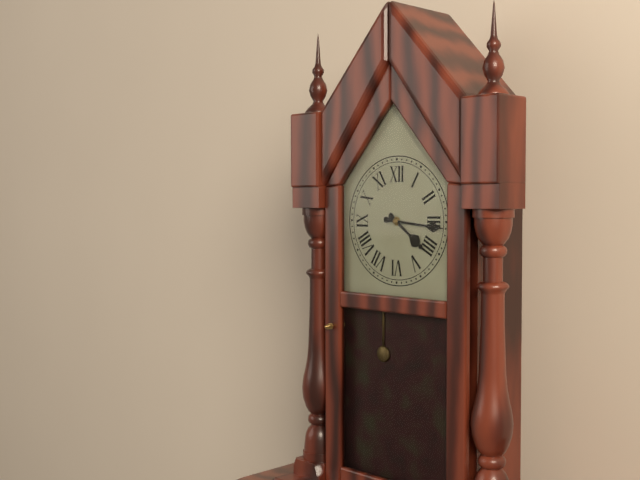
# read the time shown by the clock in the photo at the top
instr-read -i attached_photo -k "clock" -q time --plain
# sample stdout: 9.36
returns 4.16
